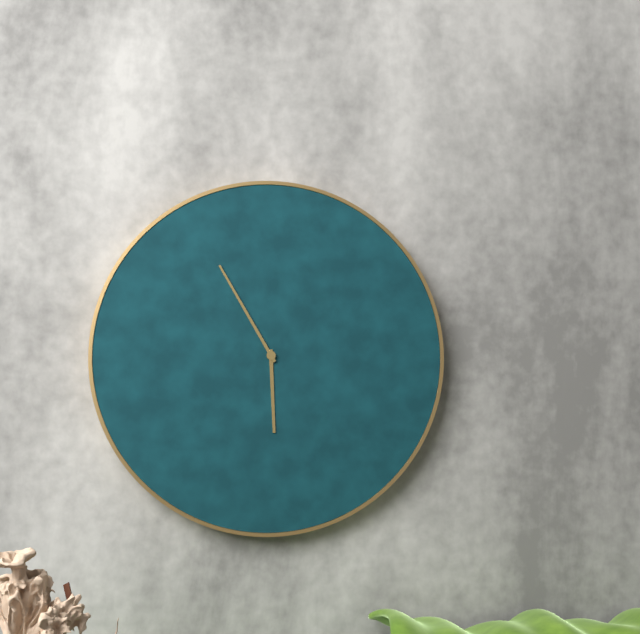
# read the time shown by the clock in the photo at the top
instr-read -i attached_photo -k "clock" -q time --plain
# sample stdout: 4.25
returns 5.55
